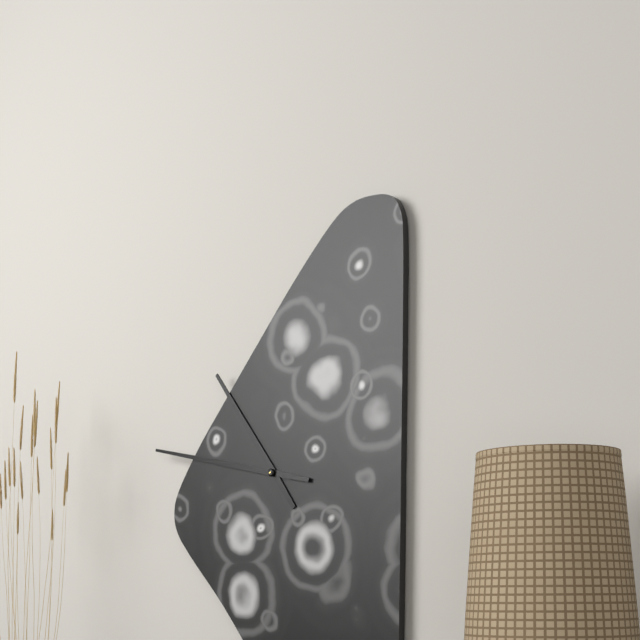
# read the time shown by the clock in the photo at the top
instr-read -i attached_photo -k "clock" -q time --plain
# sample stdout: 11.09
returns 10.47
